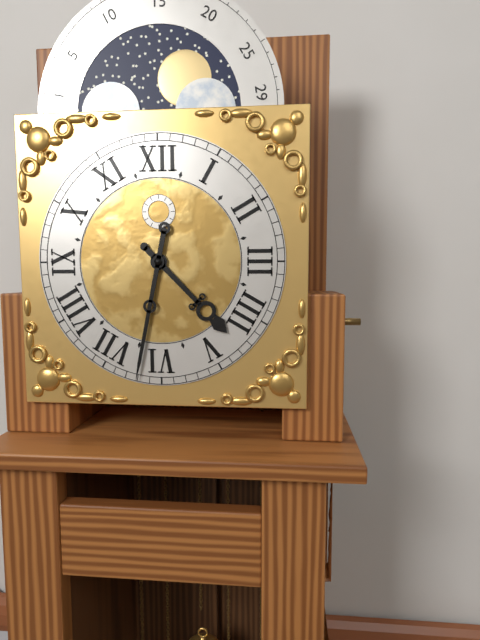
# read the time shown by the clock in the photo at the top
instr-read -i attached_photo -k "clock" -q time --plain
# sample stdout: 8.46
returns 4.32
